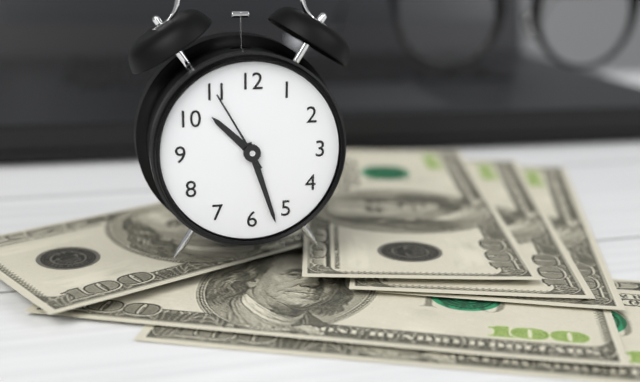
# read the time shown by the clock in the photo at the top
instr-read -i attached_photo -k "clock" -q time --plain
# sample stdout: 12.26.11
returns 10.27.55
